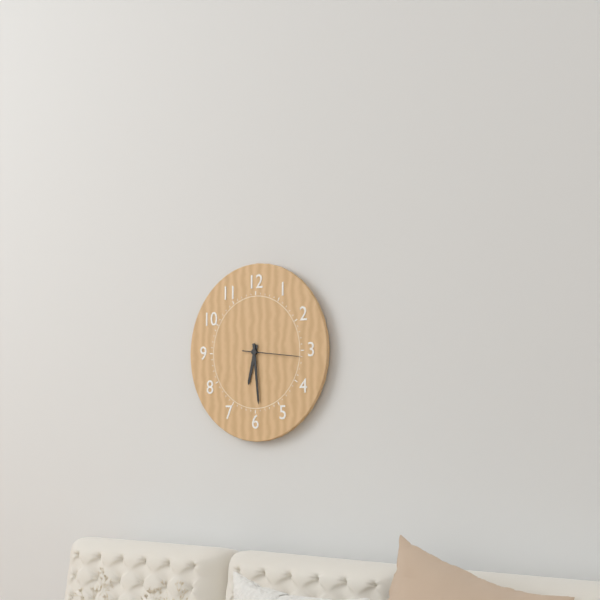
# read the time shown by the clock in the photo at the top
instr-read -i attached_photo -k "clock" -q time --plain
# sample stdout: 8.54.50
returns 6.29.16
